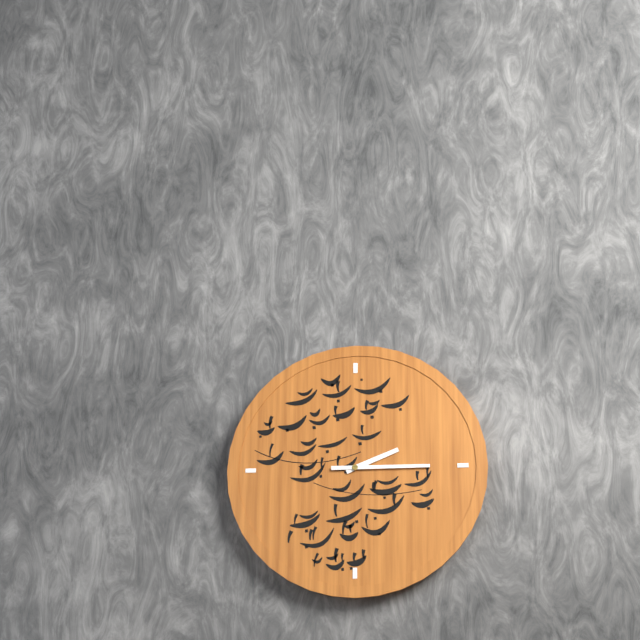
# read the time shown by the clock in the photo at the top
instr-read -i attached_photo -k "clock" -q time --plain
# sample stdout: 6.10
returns 2.15
